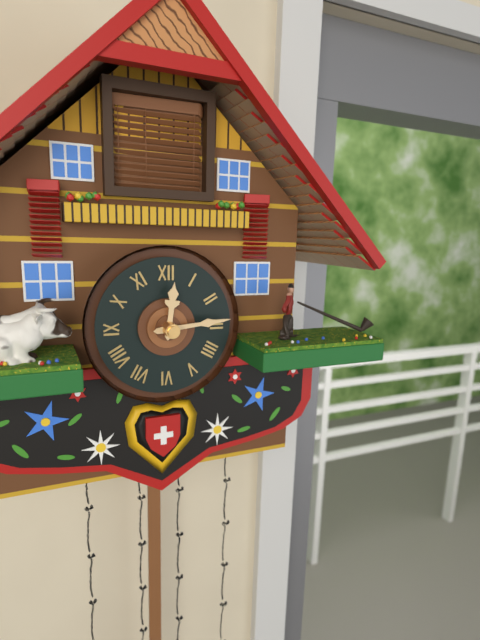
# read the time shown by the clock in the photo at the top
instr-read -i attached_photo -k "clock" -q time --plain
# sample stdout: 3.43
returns 12.14
